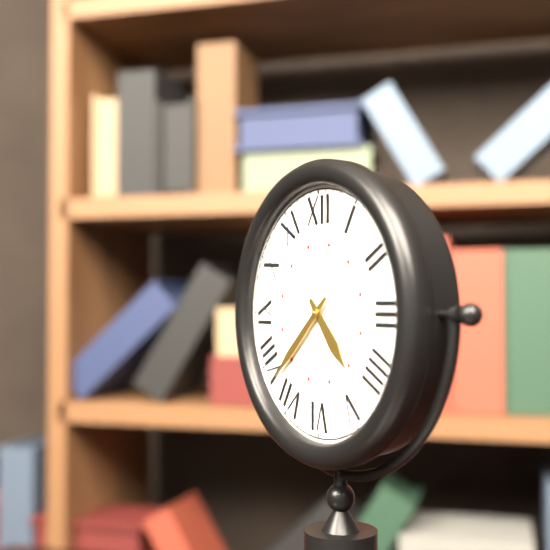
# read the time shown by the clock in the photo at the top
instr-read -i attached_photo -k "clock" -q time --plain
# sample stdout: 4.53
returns 4.38
